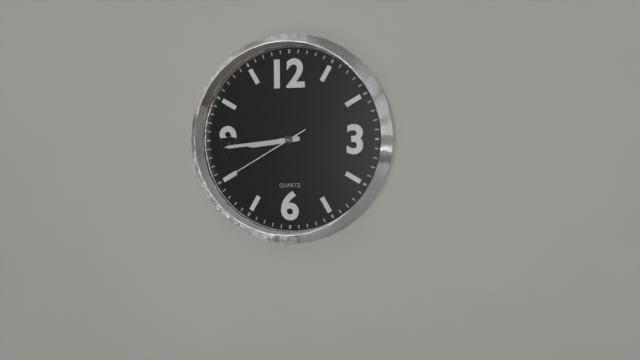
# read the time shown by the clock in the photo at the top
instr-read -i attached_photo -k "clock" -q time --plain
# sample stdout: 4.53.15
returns 8.44.40
